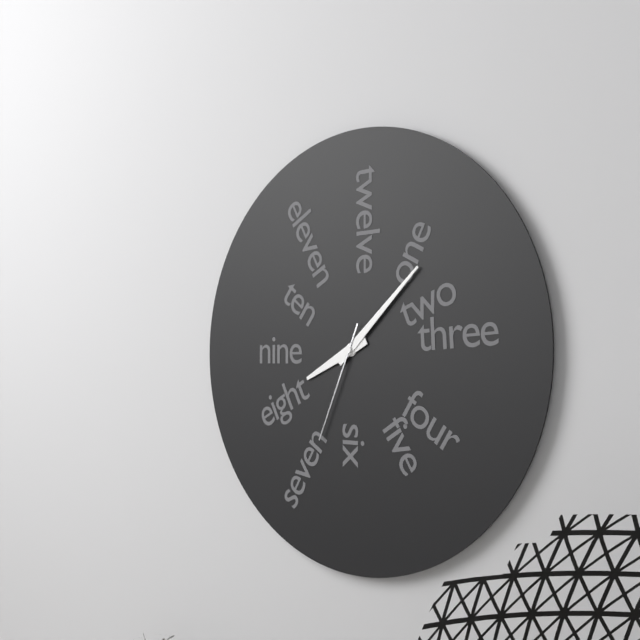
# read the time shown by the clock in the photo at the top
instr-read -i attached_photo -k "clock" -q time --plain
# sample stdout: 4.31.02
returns 8.08.34
